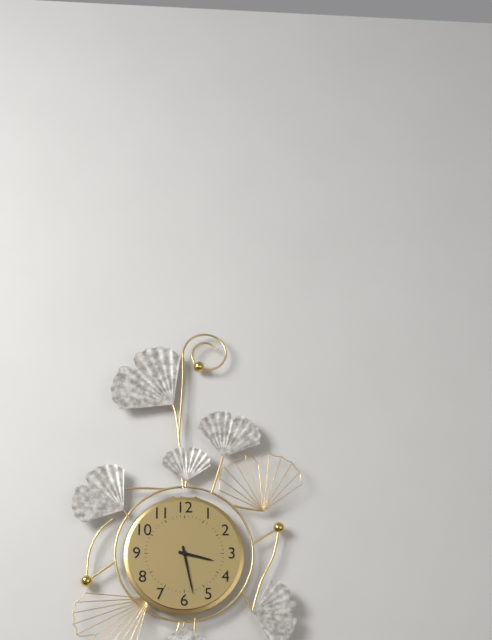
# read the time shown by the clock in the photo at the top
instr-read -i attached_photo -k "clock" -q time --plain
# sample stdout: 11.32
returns 3.28
